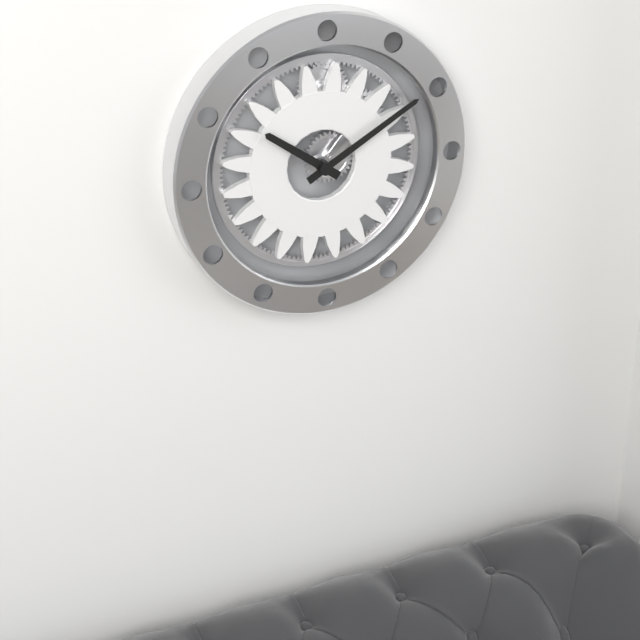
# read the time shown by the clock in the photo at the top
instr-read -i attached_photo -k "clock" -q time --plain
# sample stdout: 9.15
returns 10.10
